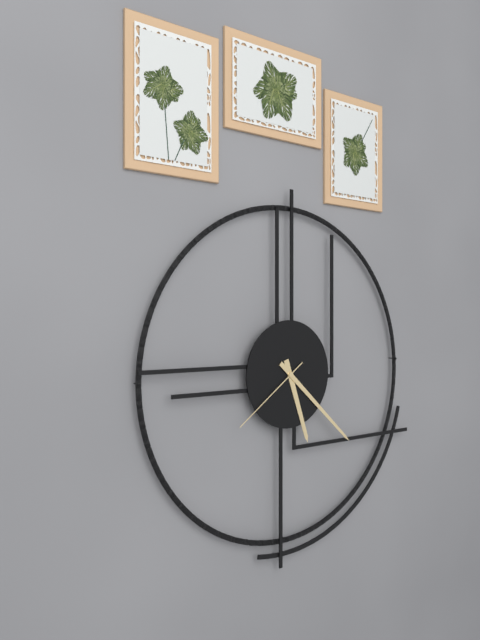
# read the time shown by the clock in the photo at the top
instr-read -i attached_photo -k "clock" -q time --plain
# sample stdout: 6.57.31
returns 5.22.39
